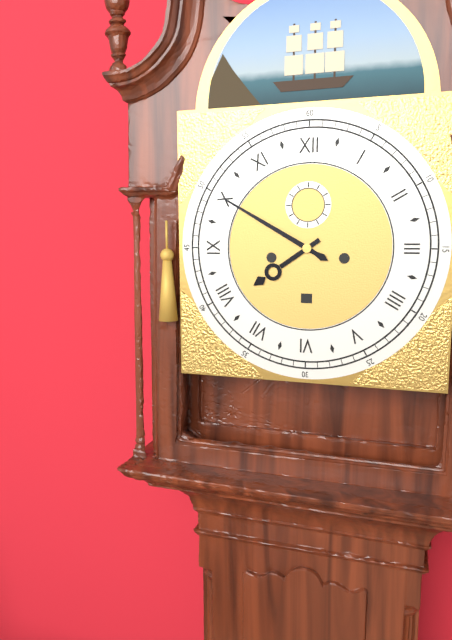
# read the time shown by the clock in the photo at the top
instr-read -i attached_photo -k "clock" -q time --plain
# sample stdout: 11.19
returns 7.50
